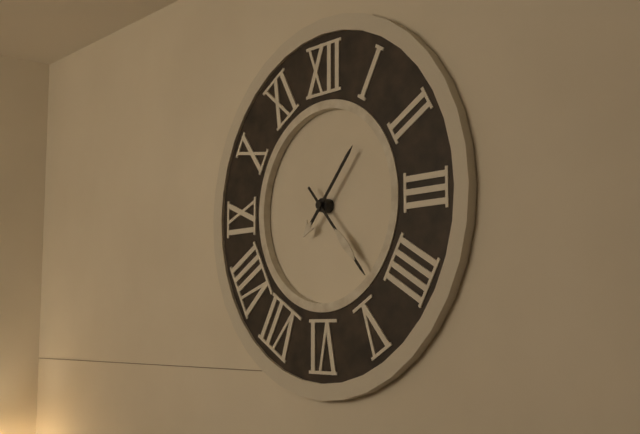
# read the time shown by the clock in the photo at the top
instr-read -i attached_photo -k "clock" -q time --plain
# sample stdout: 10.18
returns 1.23
